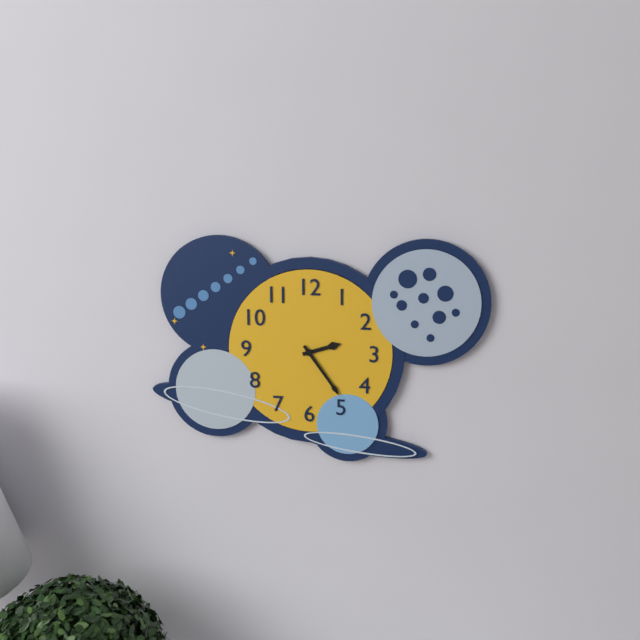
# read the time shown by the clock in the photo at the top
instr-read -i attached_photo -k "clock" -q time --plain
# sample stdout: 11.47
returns 2.24
